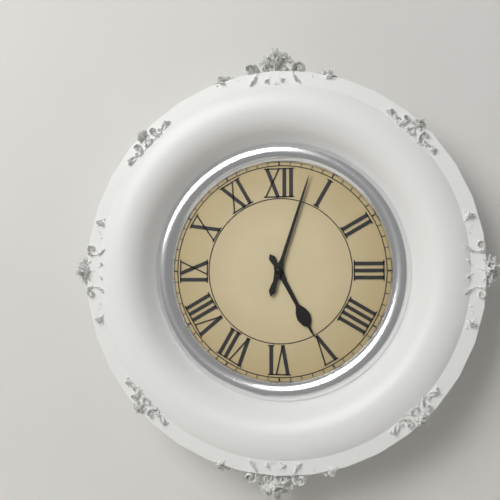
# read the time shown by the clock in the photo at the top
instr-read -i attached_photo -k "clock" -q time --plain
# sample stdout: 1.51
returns 5.03
